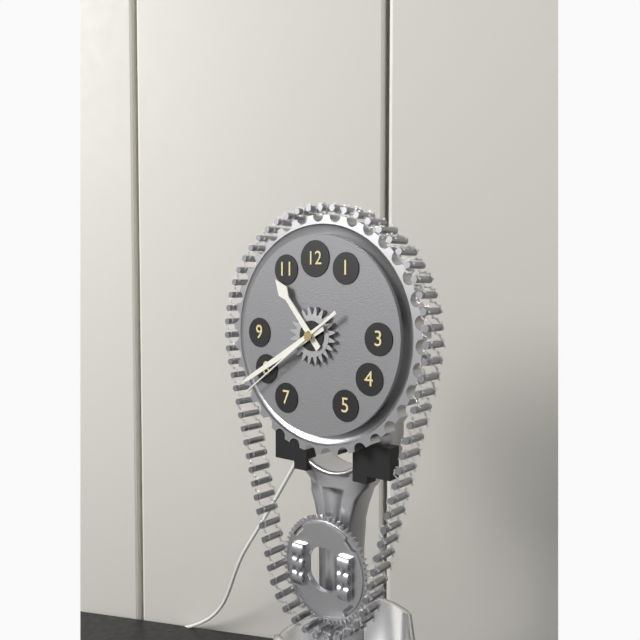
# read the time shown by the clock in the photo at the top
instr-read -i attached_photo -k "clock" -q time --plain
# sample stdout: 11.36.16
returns 10.40.39
